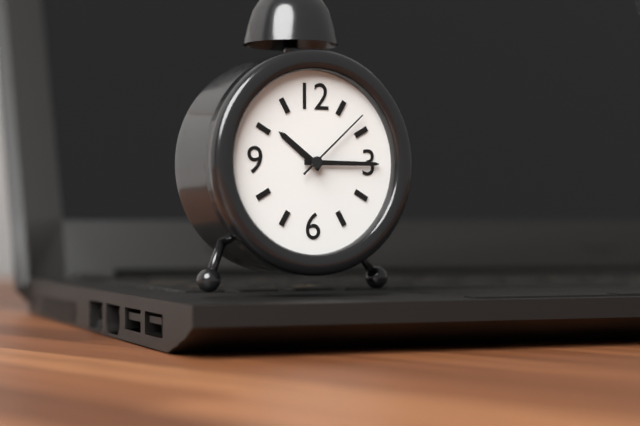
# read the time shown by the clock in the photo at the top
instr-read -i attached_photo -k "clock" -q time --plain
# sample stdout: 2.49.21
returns 10.15.08
